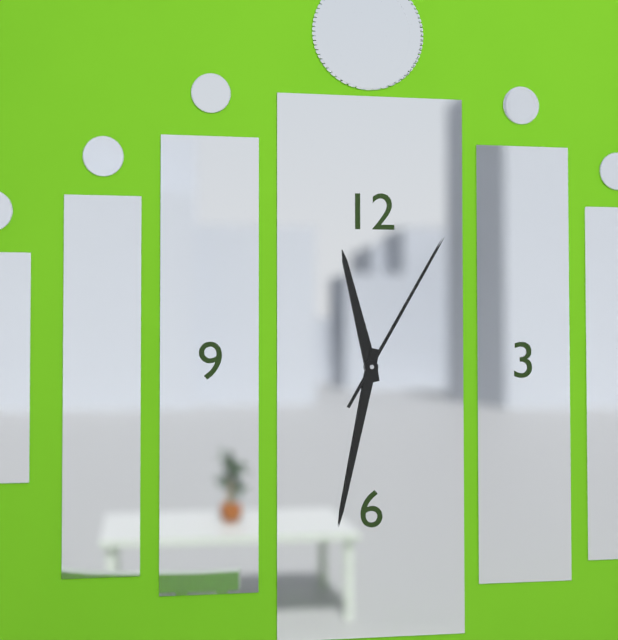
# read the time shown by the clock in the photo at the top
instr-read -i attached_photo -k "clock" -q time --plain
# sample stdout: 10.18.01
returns 11.32.05
